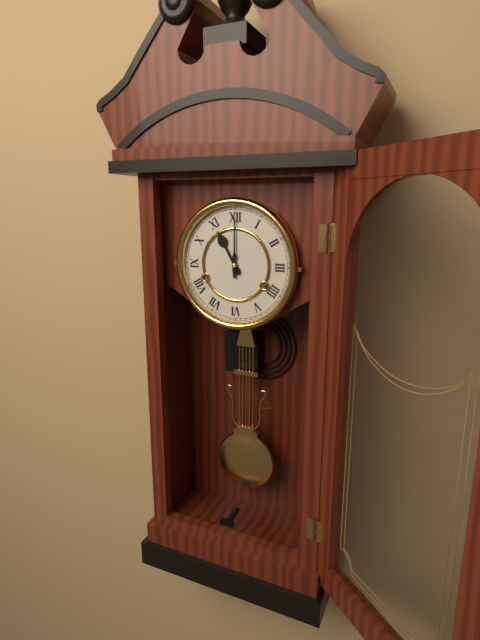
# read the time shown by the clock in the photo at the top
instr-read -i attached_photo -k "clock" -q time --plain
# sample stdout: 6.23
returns 11.00
